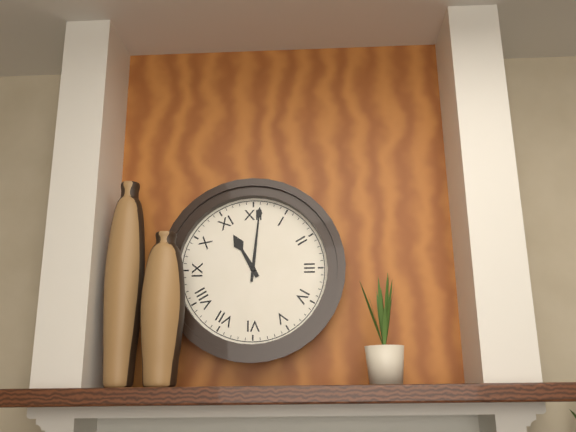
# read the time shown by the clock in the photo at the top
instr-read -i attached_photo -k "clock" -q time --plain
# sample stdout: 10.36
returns 11.01
